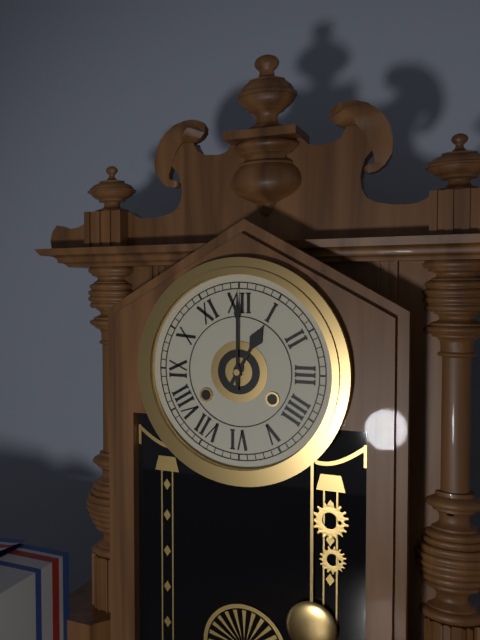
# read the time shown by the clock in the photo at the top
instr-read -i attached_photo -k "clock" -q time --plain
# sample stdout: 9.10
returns 1.00
